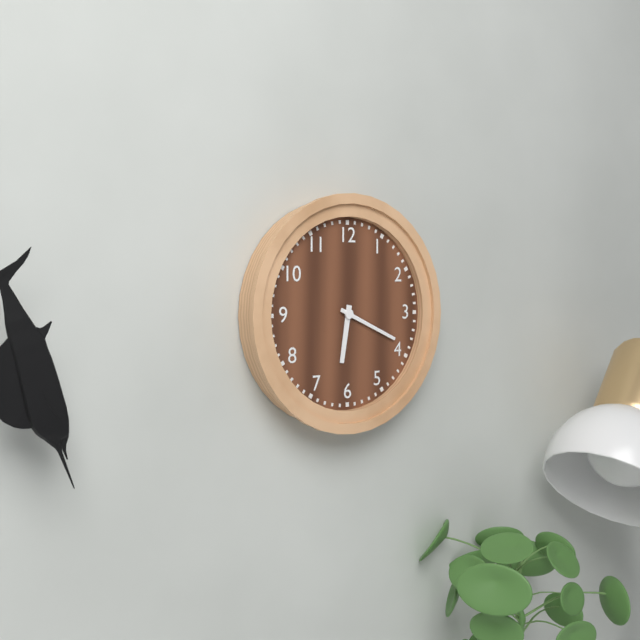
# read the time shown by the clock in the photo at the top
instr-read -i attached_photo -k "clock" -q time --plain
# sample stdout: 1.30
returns 6.19
